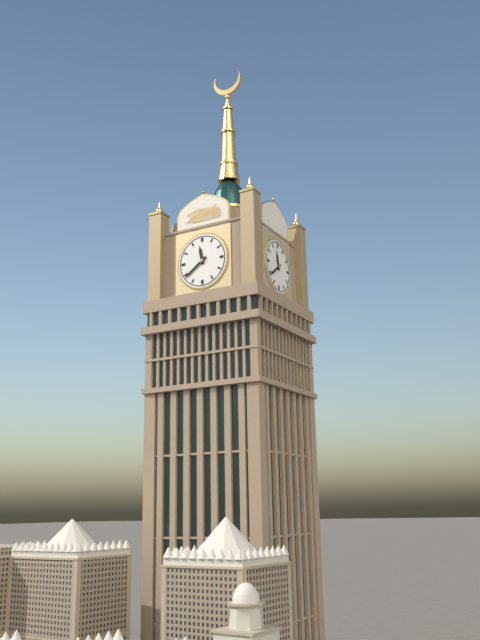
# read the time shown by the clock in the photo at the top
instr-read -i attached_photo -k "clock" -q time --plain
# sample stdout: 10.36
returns 11.39
